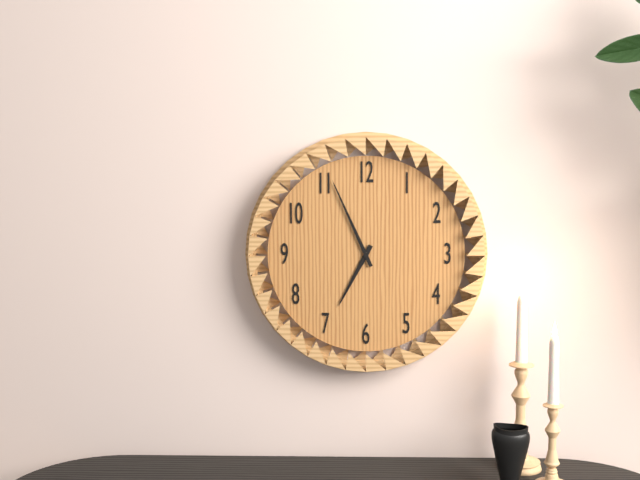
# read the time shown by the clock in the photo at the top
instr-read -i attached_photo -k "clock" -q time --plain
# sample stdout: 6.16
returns 6.56
